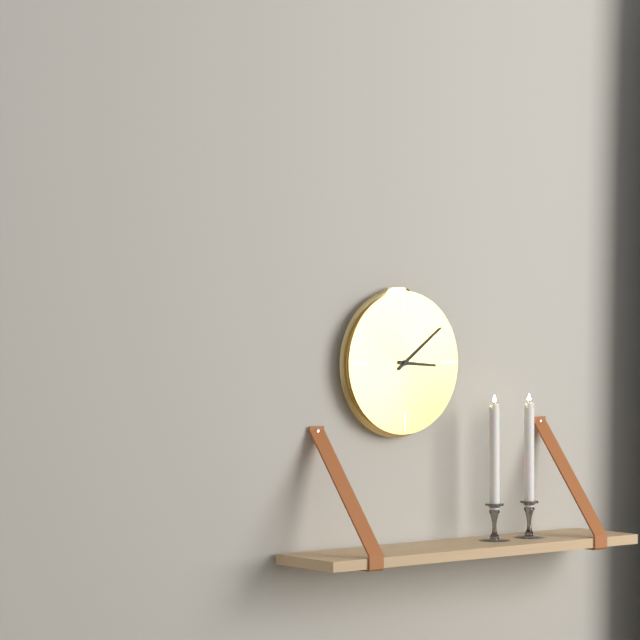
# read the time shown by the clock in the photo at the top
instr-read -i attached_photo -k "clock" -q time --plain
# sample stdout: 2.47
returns 3.09
